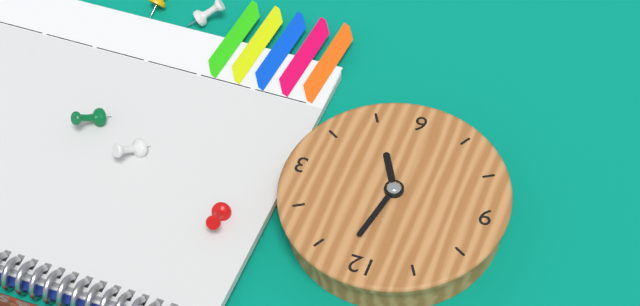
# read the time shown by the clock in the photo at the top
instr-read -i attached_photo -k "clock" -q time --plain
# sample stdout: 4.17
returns 5.02
